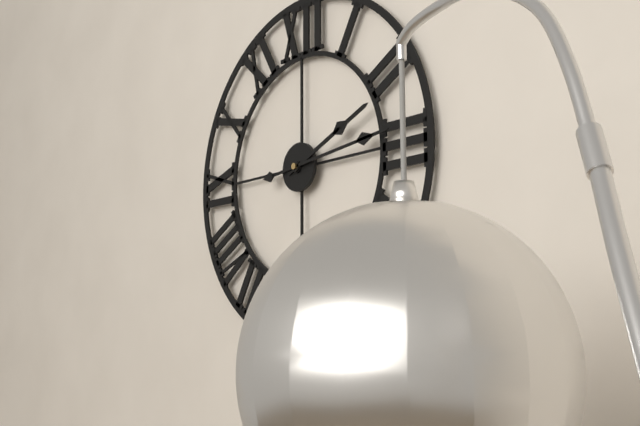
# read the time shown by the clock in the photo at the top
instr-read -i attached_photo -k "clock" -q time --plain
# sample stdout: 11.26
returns 2.14
